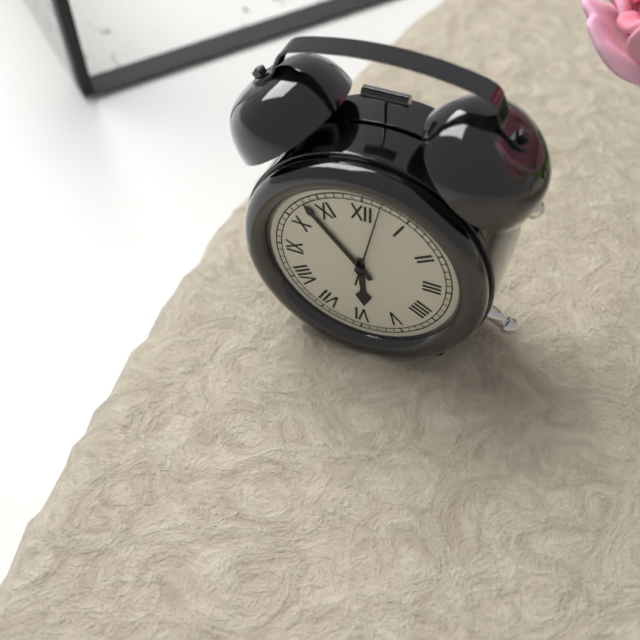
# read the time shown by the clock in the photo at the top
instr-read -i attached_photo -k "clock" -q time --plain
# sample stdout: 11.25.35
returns 5.53.02
